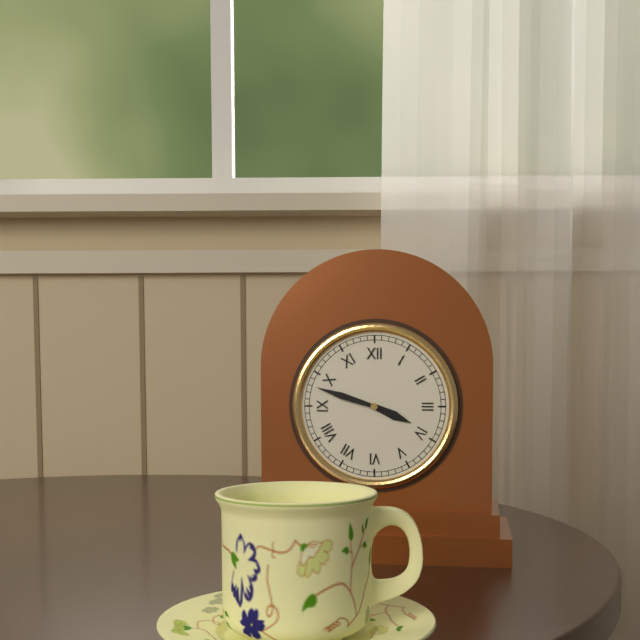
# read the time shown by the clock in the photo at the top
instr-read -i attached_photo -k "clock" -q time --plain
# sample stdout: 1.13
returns 3.48
